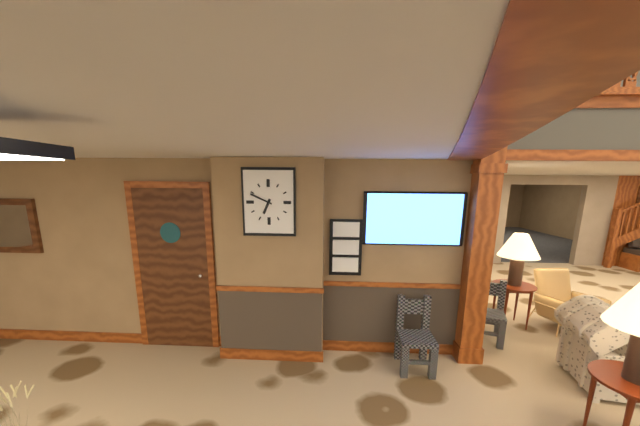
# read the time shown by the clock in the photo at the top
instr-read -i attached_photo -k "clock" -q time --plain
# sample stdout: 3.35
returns 6.49
